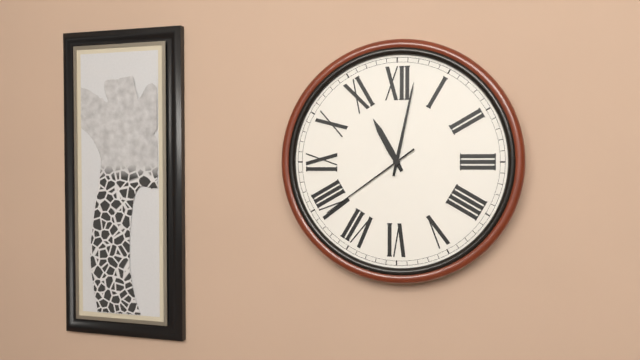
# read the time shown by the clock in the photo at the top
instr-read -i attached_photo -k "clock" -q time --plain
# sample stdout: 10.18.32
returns 11.02.39
